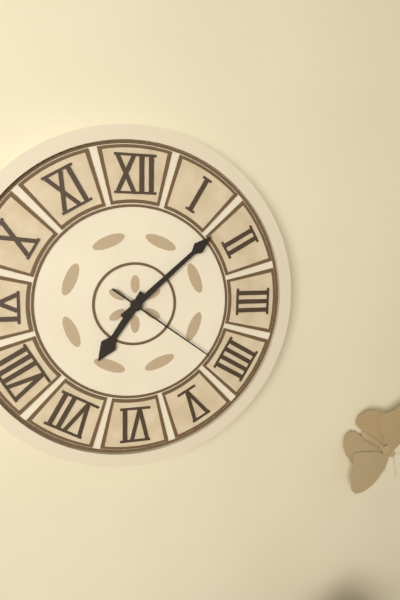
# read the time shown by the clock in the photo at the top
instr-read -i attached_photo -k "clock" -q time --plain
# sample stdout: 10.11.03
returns 7.08.21
